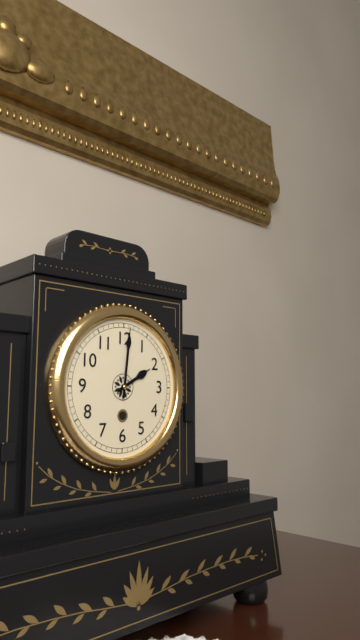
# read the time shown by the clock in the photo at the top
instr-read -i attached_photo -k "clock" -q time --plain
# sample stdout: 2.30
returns 2.01
